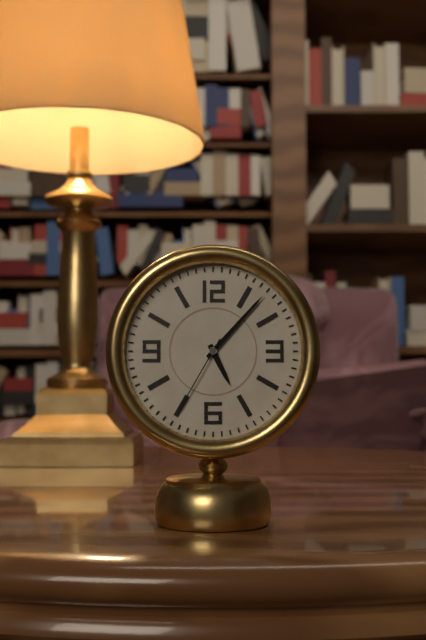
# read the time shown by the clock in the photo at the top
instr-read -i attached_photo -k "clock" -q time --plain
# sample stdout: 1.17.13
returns 5.07.35
